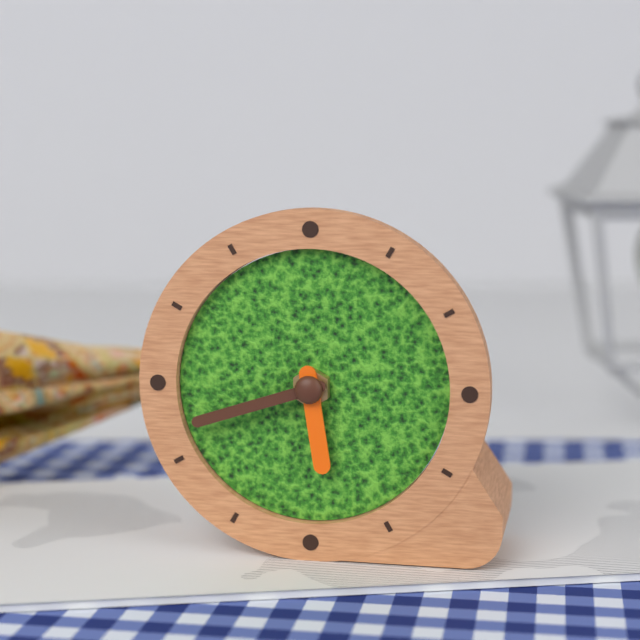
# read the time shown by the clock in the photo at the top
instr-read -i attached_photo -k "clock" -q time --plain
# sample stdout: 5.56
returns 5.42
